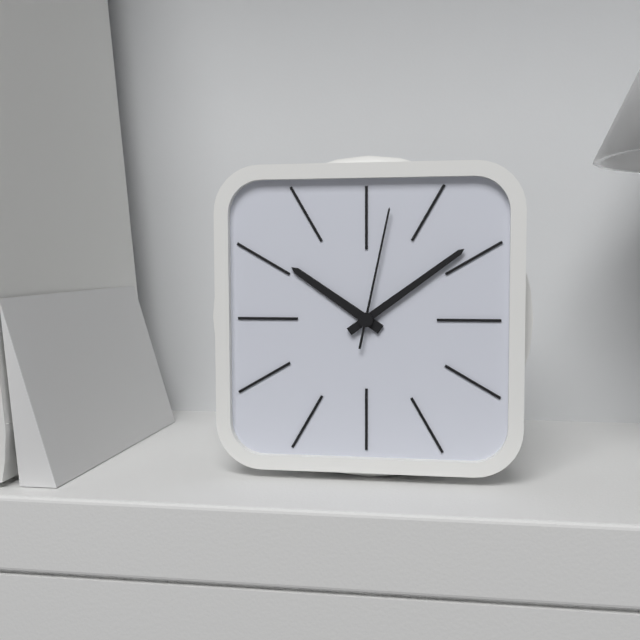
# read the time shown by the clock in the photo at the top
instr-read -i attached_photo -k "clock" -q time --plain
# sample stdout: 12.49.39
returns 10.09.02
